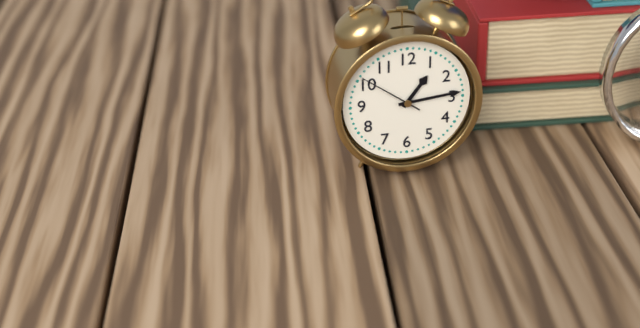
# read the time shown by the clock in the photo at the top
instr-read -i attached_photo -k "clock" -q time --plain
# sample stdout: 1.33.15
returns 1.14.51
